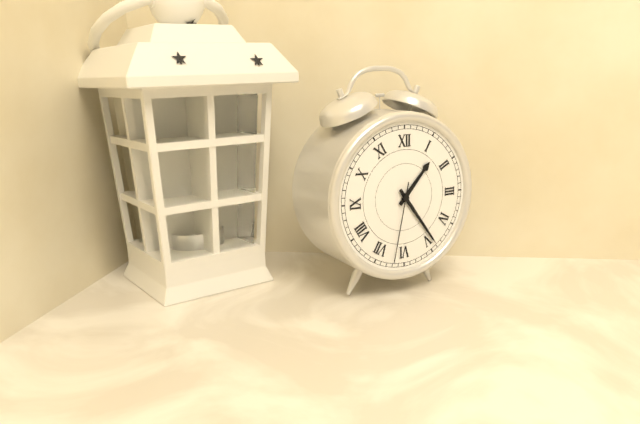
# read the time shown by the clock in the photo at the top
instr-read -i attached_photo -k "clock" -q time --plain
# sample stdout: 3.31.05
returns 1.24.32
